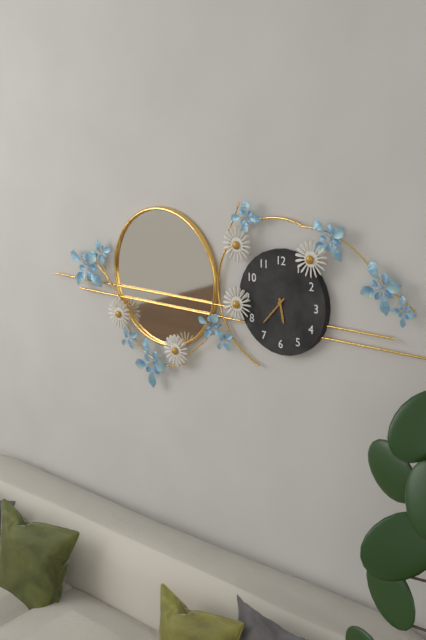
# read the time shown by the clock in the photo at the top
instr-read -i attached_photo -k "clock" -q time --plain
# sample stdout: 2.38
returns 5.37
